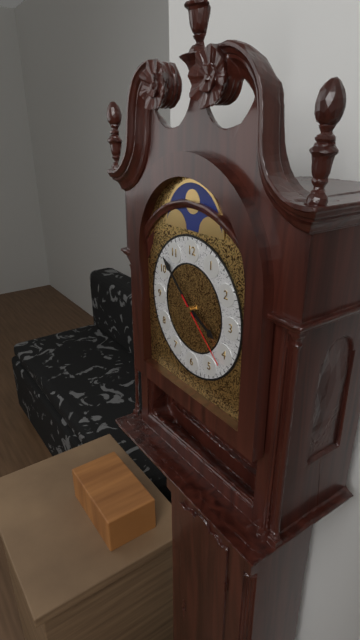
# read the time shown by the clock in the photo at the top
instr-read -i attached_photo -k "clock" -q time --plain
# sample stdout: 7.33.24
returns 3.52.22
